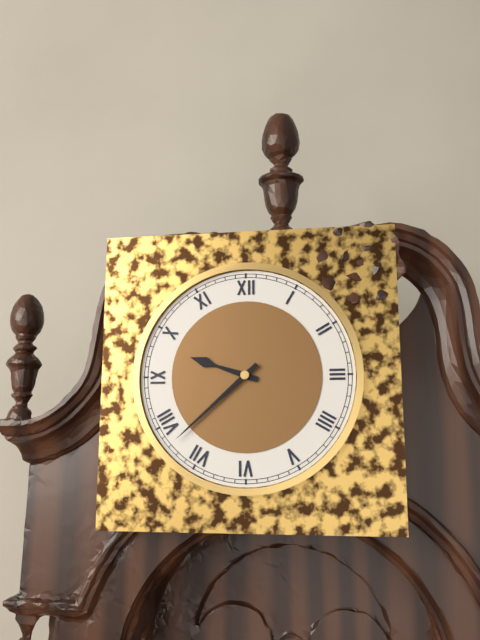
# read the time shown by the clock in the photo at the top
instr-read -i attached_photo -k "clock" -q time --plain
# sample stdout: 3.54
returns 9.38
